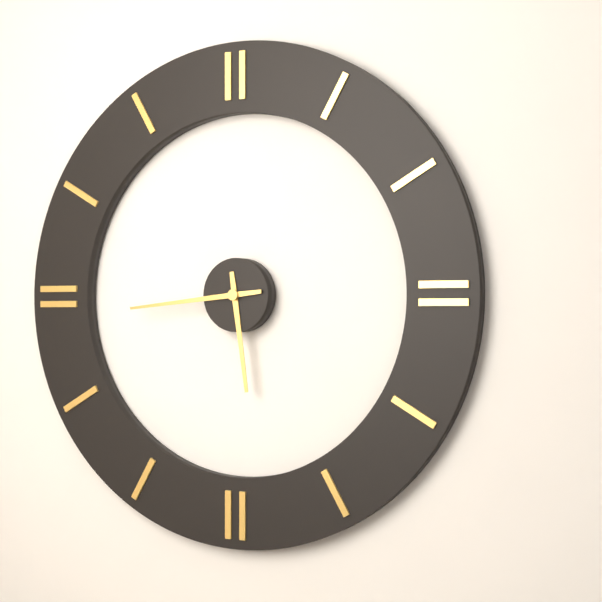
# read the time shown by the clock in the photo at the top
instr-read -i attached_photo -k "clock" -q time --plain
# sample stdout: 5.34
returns 5.44
